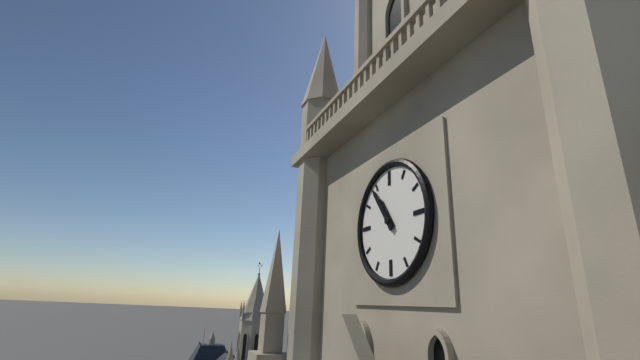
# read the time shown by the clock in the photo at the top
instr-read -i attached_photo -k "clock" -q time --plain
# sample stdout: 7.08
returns 10.54
